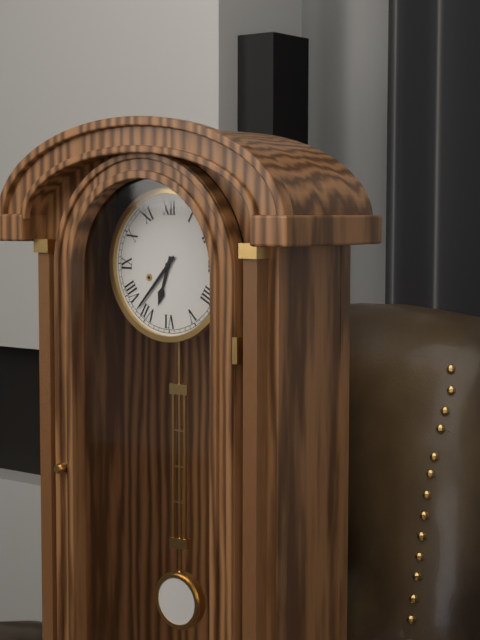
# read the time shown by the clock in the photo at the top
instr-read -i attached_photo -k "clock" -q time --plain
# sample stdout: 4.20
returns 6.37
